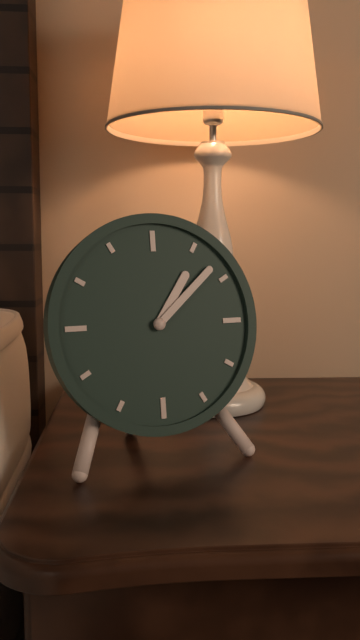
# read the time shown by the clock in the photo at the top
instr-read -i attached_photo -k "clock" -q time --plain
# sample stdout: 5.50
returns 1.08
